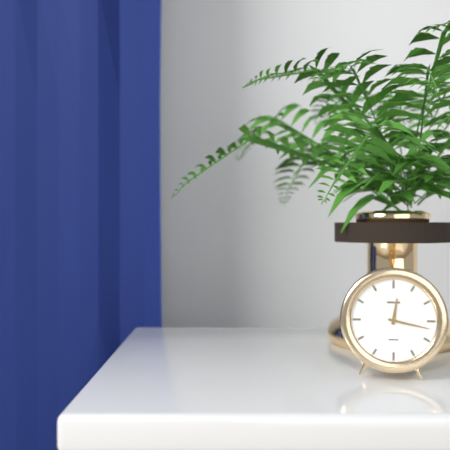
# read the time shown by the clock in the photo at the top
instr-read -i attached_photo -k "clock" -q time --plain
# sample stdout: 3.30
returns 12.17
